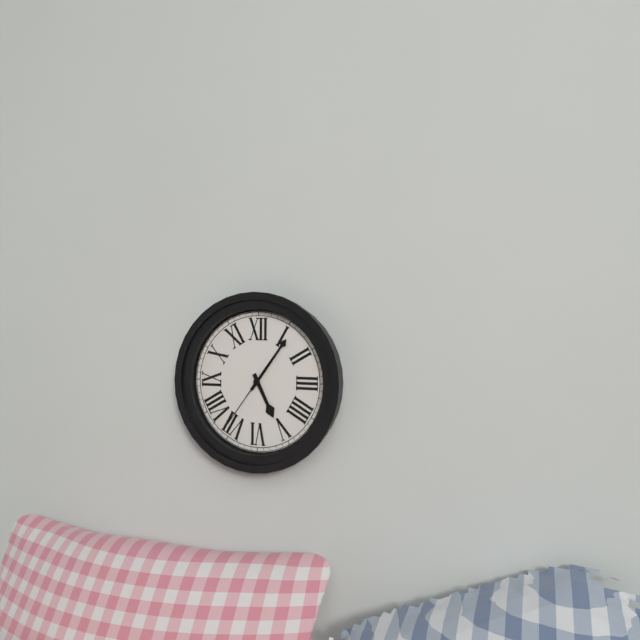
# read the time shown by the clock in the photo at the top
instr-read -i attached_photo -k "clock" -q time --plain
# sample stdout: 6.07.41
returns 5.06.36
